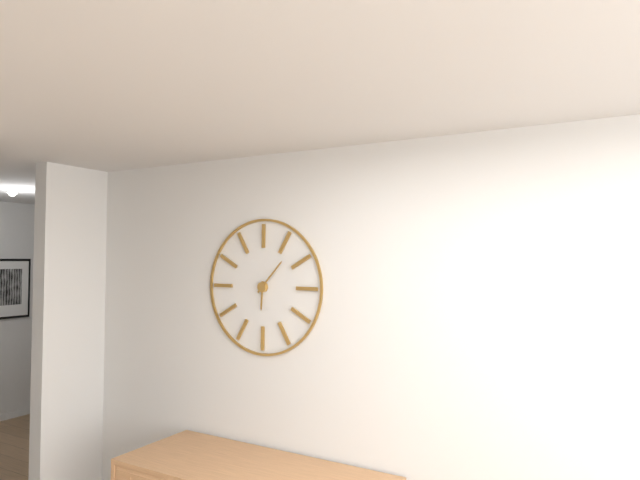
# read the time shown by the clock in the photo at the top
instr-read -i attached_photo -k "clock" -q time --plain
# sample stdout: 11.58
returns 6.07
